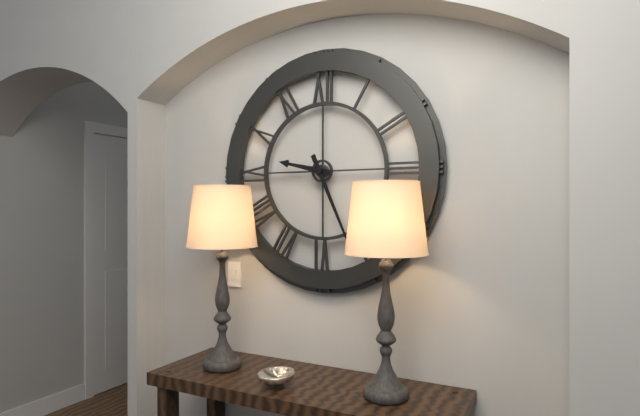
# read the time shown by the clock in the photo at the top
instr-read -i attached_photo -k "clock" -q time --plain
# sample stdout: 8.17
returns 9.26
